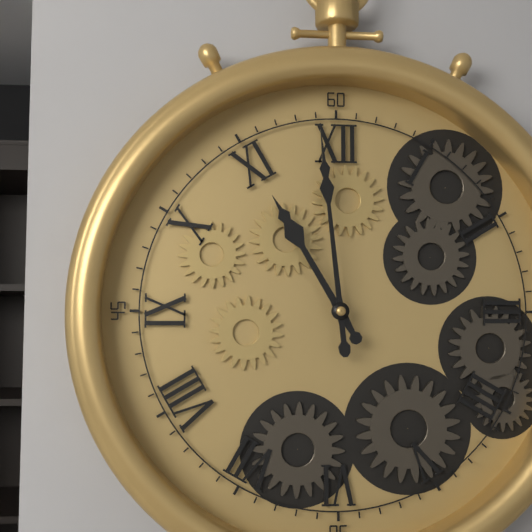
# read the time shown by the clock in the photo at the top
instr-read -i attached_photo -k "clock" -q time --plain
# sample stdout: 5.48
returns 10.59
